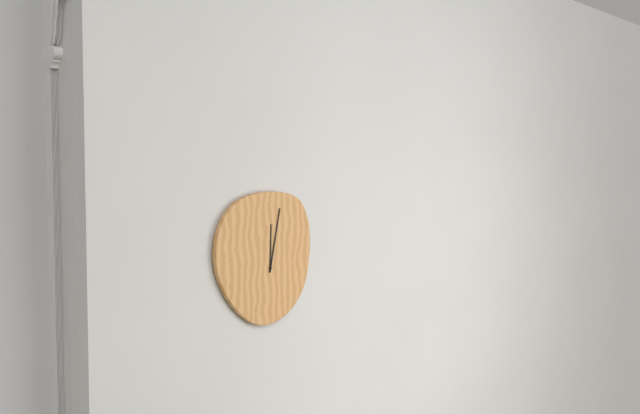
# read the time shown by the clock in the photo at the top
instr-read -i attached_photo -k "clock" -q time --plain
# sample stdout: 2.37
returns 12.02
